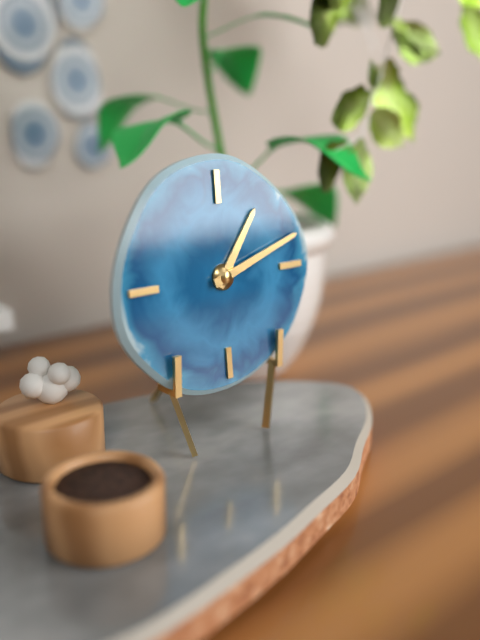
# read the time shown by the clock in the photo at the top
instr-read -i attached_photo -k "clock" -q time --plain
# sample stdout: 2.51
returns 1.12
